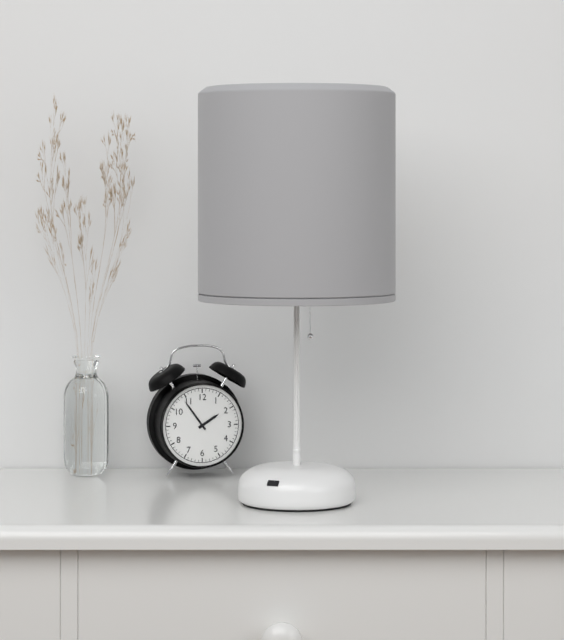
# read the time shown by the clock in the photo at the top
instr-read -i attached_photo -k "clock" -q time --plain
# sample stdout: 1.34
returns 1.54
